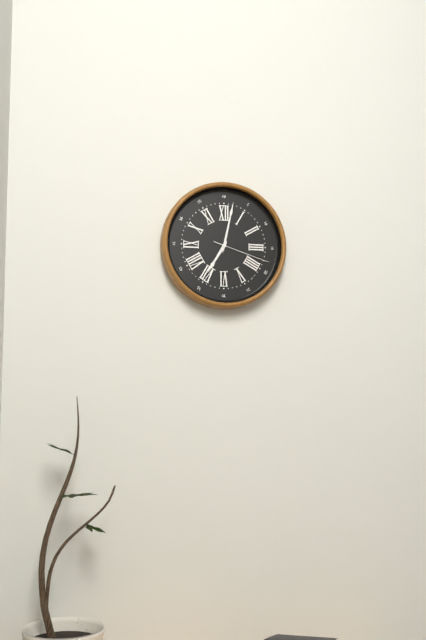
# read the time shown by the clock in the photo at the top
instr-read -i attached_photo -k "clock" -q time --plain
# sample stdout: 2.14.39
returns 7.02.18
